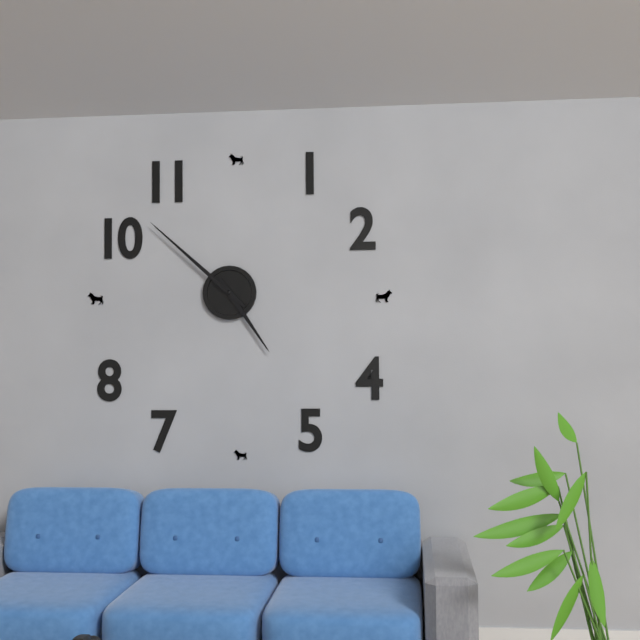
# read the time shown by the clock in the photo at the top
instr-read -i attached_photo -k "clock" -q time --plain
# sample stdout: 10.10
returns 4.52
